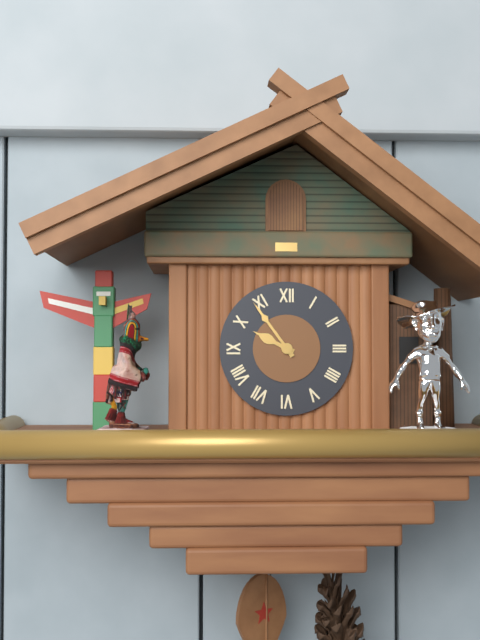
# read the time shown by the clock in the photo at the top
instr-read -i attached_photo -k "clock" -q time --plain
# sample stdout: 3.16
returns 9.54
